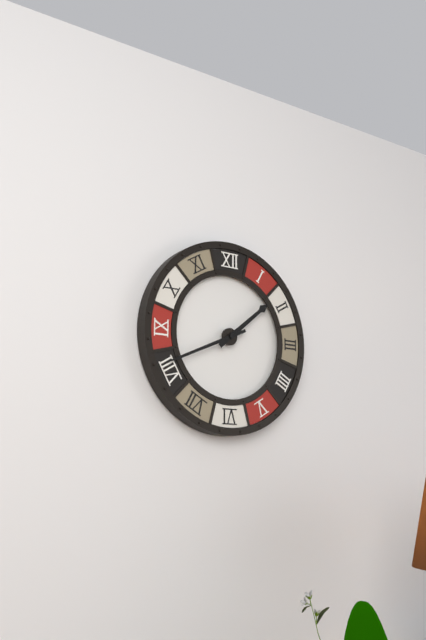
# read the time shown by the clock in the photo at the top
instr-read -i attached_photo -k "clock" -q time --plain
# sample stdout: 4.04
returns 1.41
